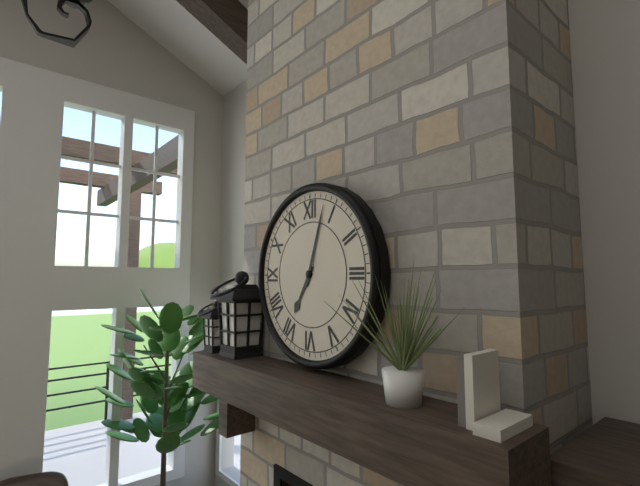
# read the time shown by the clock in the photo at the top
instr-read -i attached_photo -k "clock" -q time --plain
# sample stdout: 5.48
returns 7.03
